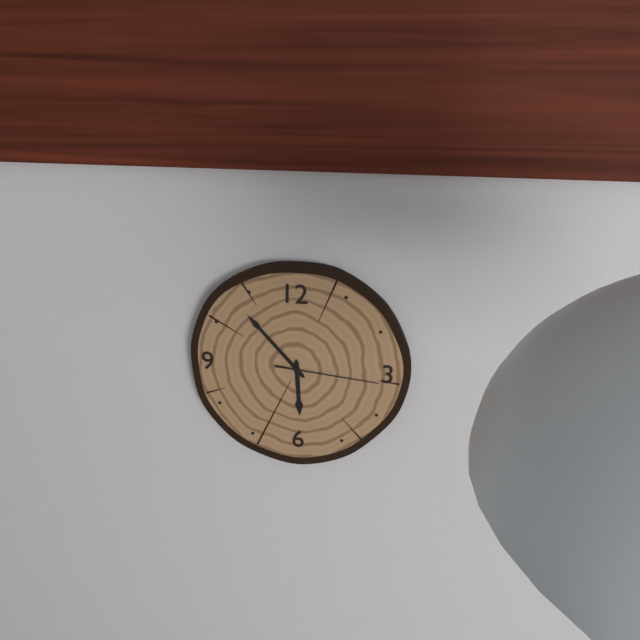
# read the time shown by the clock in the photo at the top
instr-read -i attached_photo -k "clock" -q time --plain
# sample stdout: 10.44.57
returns 5.53.16
